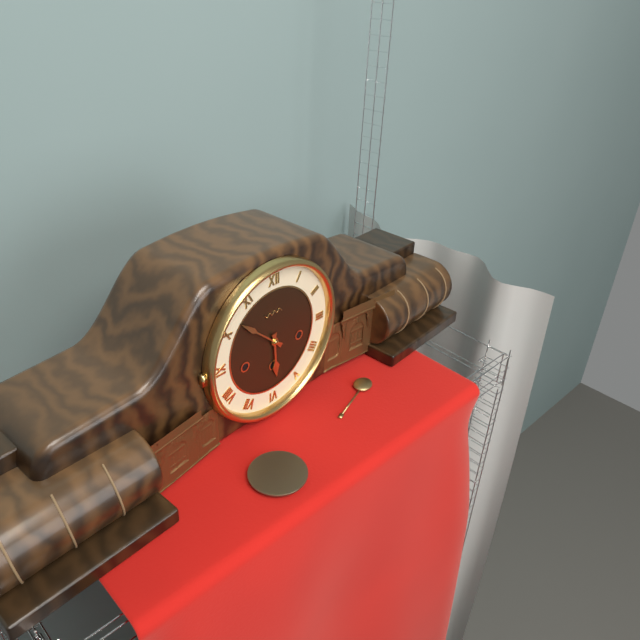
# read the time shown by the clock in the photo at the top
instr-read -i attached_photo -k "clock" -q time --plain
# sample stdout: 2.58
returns 5.52
